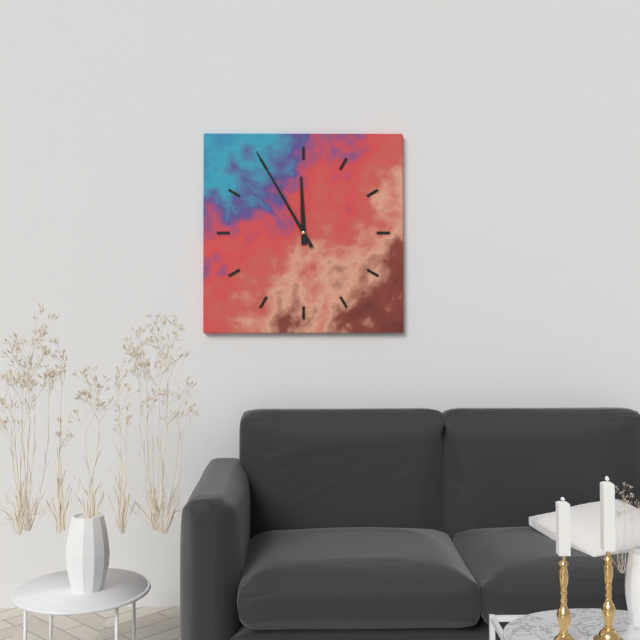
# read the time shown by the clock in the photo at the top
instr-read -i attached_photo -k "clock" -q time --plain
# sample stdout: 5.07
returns 11.55
